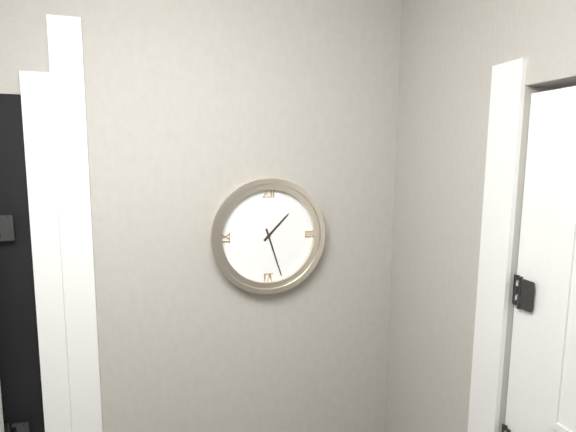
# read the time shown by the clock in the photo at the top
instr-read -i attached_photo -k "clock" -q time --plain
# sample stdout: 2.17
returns 1.27
